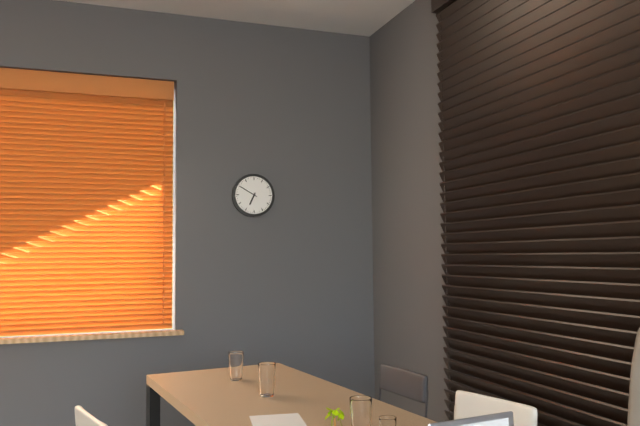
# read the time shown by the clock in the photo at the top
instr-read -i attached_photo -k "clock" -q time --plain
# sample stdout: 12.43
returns 6.50
